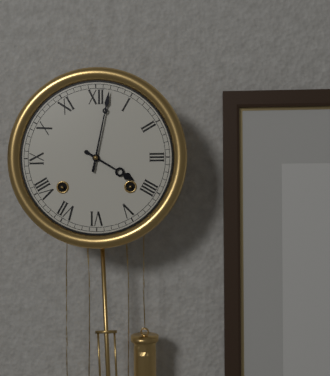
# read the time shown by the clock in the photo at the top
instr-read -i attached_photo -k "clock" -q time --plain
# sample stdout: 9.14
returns 4.02
